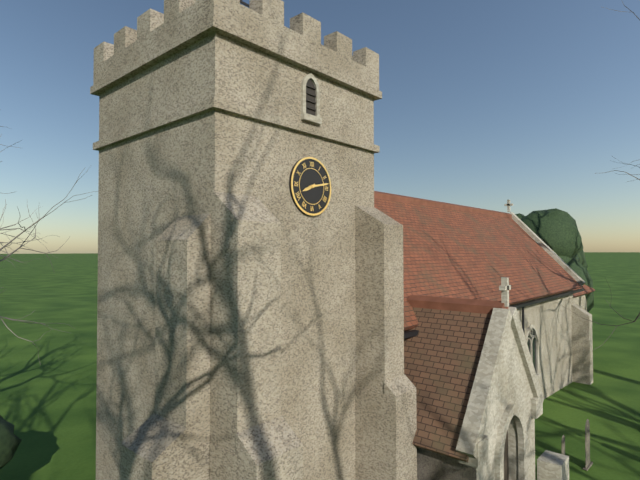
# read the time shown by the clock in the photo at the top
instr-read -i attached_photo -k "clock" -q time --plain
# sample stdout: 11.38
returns 8.13
